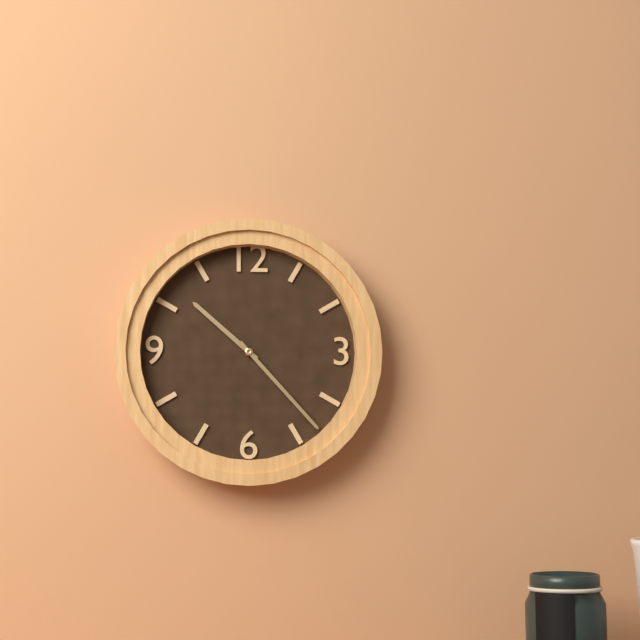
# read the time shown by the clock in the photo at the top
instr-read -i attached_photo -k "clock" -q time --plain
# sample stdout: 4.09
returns 10.23
